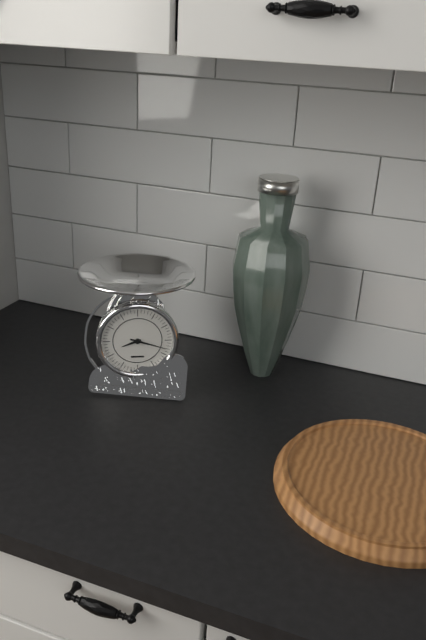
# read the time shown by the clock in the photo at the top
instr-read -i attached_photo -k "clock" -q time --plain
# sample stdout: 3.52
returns 8.18
